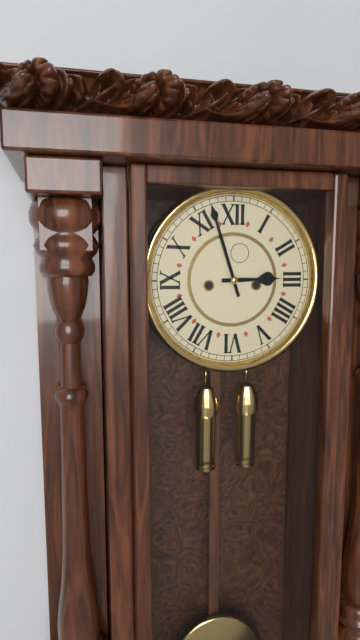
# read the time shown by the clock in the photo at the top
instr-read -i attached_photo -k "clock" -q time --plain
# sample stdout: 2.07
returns 2.57
